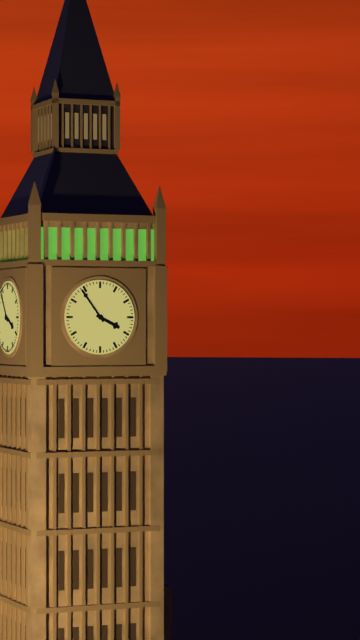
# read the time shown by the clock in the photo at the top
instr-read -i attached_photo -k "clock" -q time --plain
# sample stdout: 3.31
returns 3.54
